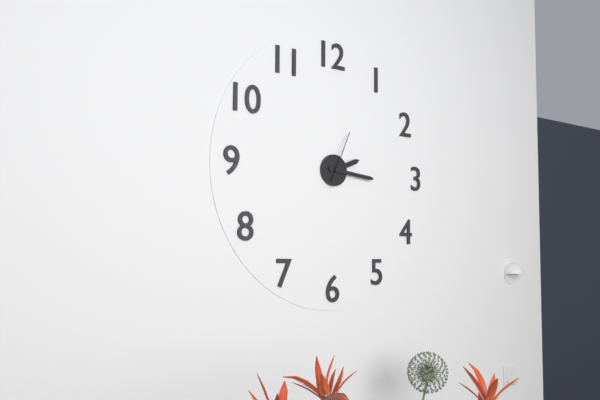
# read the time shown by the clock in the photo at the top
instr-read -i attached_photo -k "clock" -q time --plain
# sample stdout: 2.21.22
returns 2.16.04
